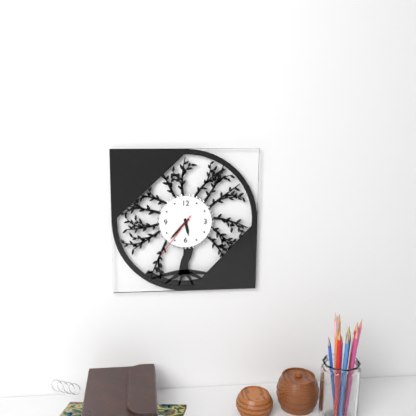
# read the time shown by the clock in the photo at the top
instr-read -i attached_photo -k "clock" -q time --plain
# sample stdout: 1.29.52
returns 5.37.36
